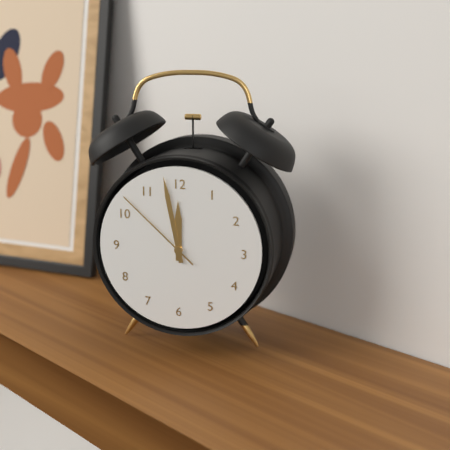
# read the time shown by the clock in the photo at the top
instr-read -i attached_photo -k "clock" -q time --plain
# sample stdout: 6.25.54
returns 11.58.52
